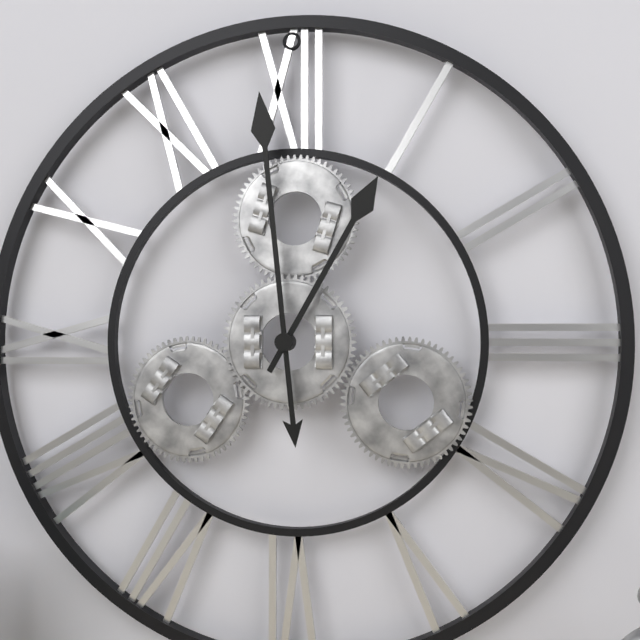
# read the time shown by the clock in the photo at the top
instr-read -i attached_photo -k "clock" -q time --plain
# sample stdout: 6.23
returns 12.59
